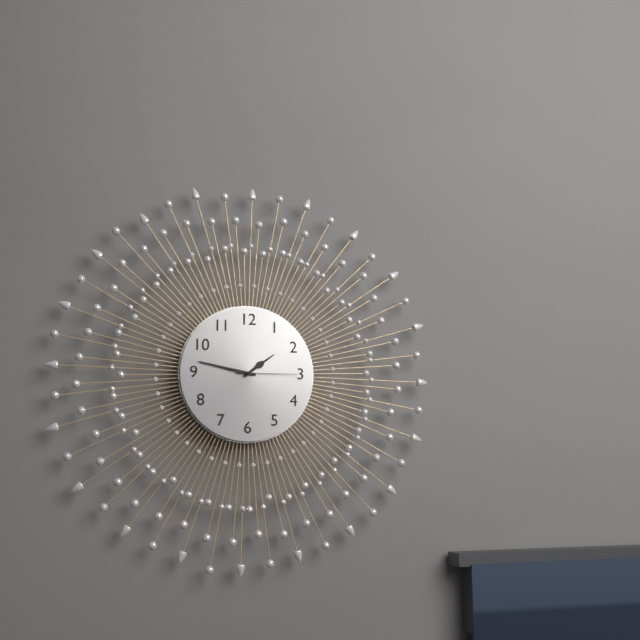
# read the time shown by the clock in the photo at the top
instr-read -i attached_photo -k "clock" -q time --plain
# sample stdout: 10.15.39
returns 1.47.15
